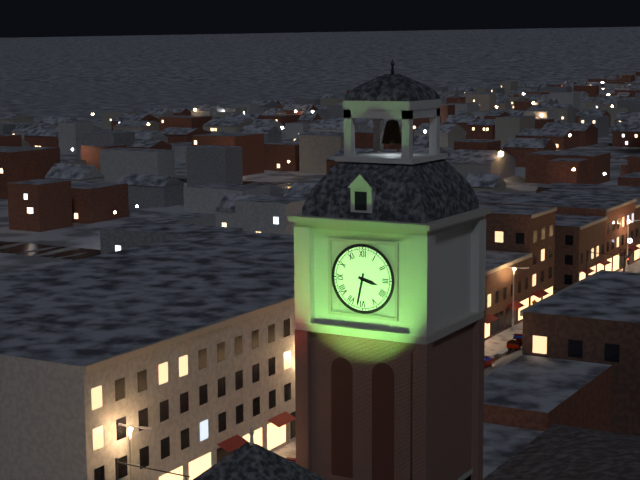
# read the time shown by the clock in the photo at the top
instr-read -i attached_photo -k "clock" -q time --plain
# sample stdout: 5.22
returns 3.32
